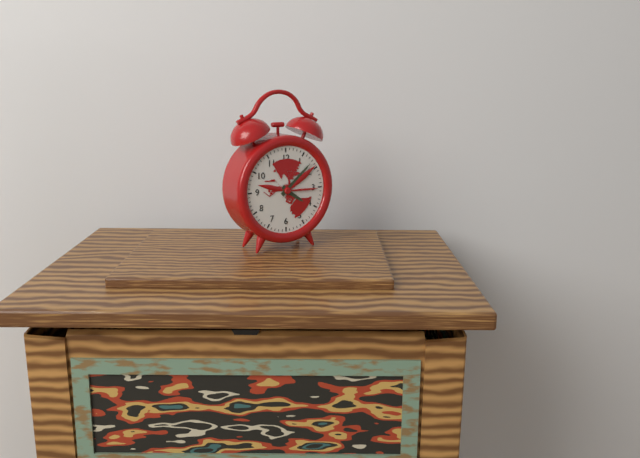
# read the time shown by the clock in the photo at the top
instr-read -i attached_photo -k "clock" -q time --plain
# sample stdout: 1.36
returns 4.08
